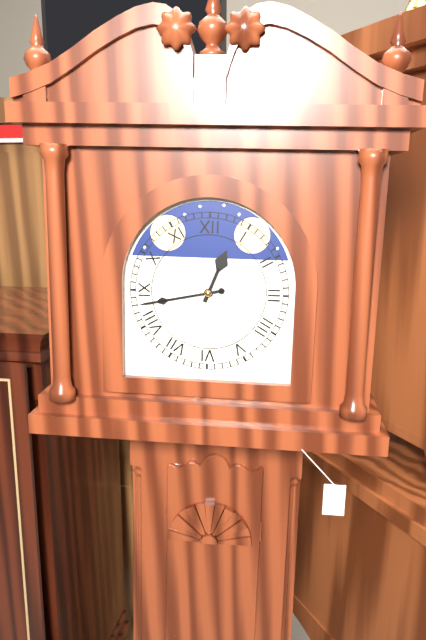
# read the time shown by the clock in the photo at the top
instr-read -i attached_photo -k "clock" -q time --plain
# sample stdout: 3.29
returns 12.43
